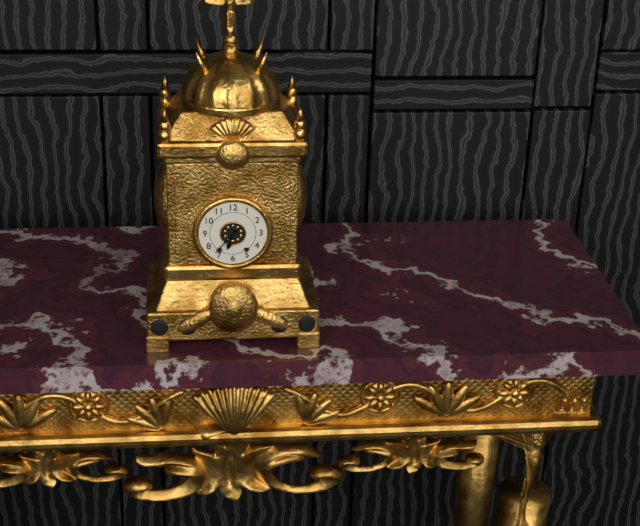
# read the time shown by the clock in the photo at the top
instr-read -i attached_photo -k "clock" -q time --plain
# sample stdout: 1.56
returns 6.37
